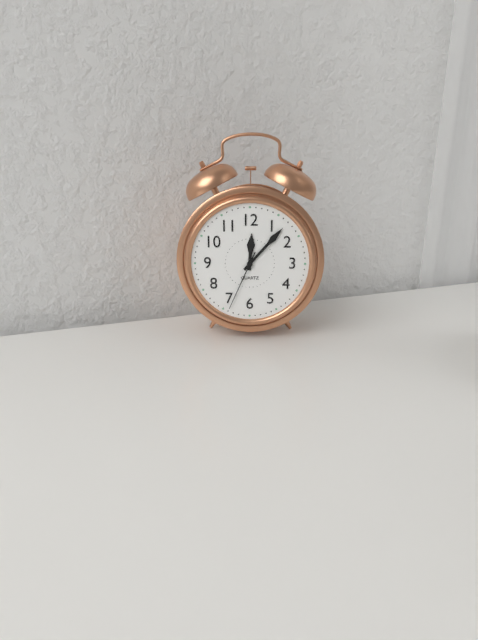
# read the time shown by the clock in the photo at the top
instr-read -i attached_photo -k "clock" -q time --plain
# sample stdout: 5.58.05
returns 12.07.34
